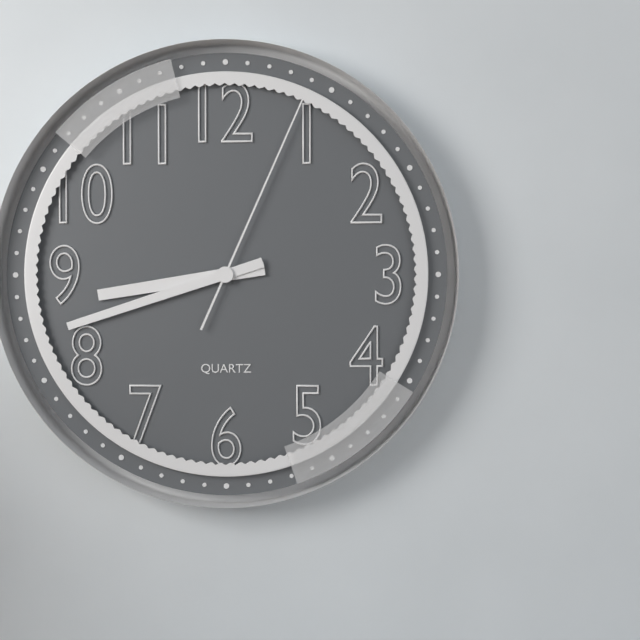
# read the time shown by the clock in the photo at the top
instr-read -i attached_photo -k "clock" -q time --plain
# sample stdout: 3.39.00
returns 8.42.04
